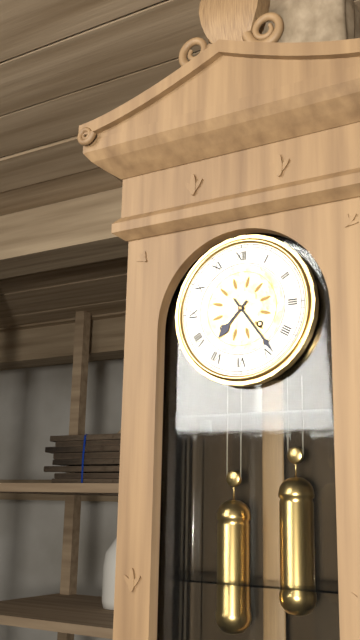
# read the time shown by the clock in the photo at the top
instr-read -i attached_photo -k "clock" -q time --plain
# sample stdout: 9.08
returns 7.24
